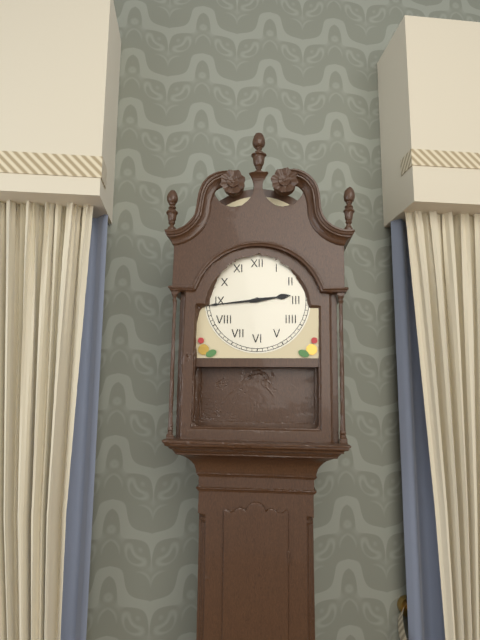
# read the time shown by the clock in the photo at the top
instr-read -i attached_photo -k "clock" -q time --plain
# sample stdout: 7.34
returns 2.44
